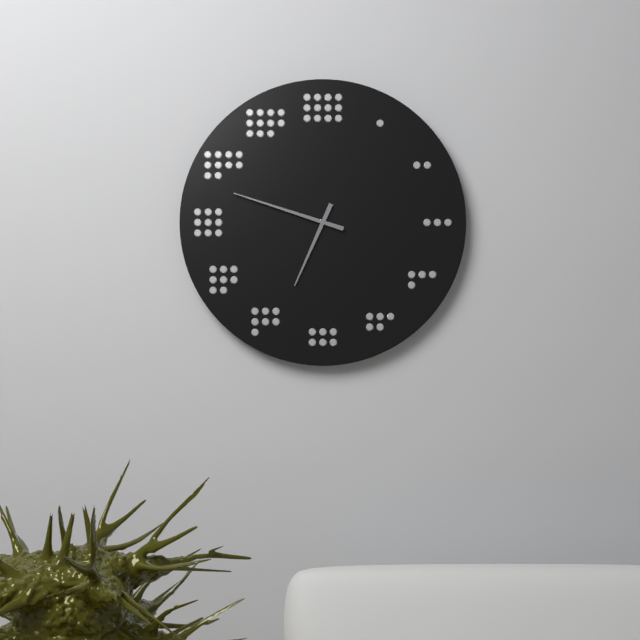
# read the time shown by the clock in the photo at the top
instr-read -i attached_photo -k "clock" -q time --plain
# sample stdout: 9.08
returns 6.48
